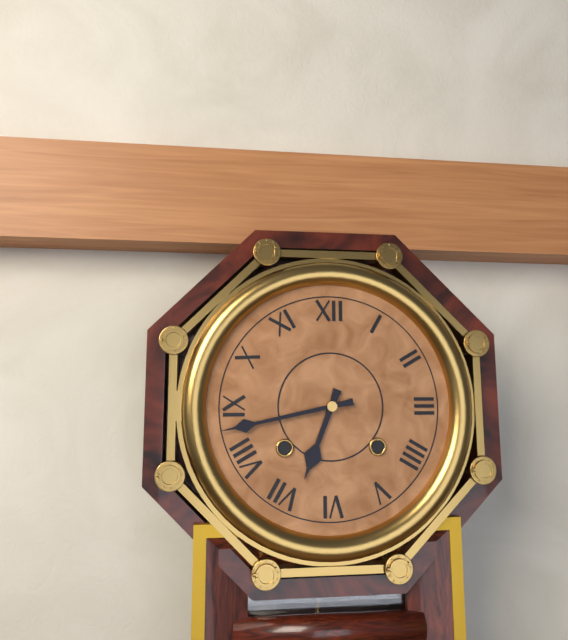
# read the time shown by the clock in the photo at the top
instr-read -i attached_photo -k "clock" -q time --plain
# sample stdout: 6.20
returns 6.43
